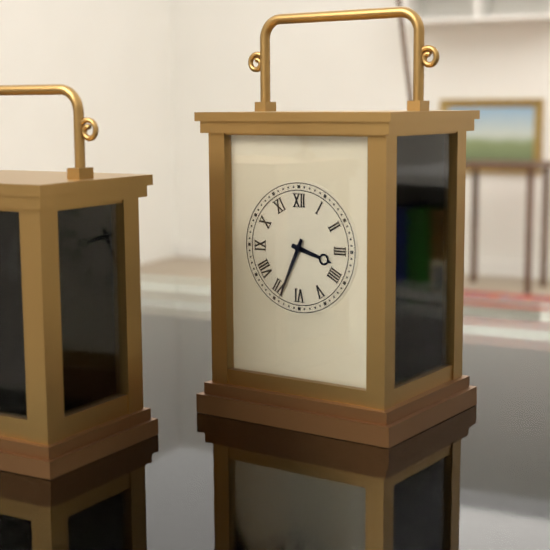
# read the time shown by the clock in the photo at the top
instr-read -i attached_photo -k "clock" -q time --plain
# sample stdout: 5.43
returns 3.34
